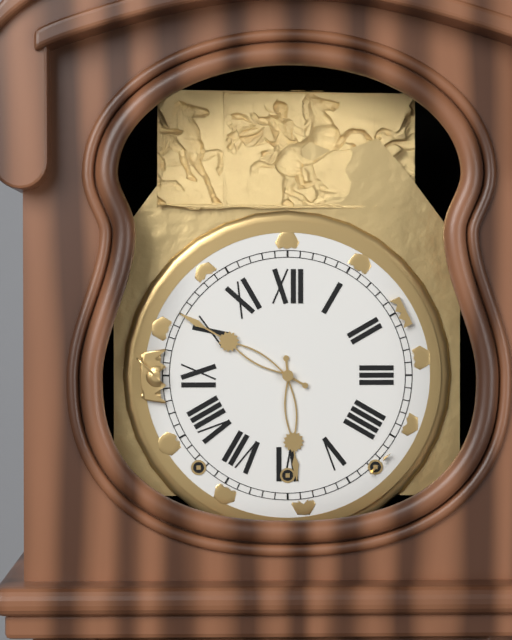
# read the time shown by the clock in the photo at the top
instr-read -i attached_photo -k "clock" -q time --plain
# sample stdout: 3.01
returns 5.50
